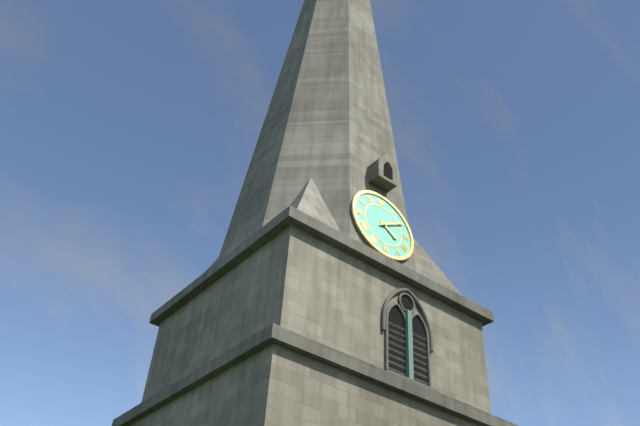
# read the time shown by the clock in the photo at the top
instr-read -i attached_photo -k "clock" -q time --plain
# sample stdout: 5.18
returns 4.10
